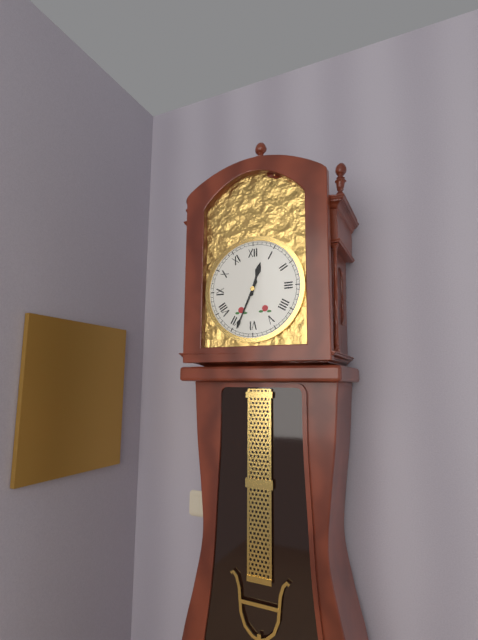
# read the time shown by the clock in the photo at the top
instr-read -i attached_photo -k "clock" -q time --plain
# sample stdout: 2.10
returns 12.34
